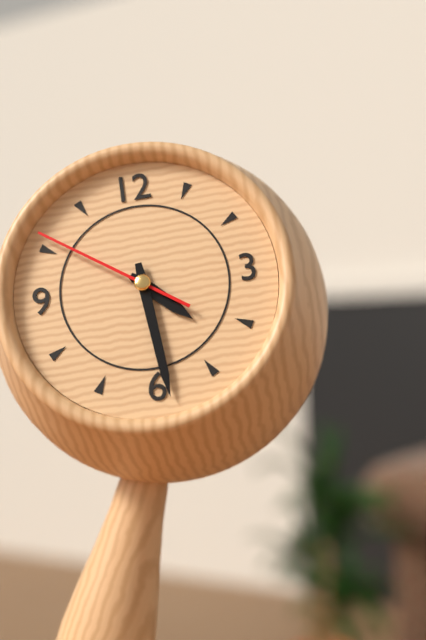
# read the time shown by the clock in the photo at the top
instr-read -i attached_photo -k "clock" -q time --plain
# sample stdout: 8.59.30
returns 4.29.51
